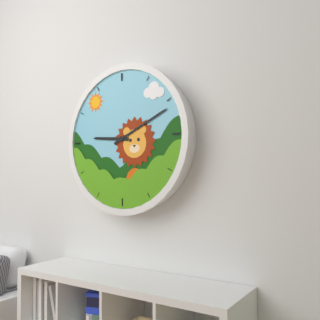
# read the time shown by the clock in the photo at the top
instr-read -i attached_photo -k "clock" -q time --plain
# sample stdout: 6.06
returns 9.11
